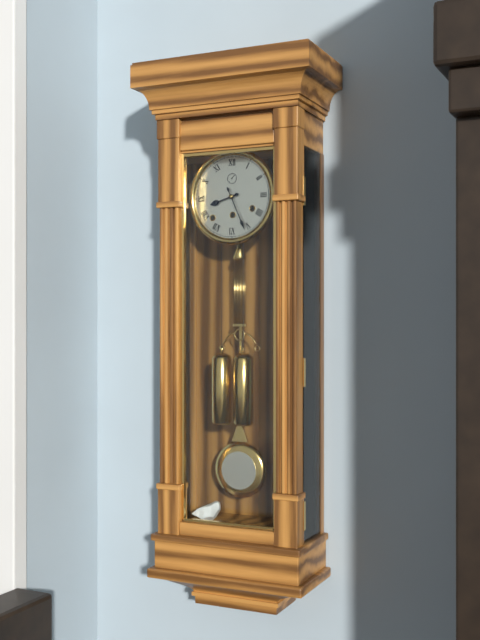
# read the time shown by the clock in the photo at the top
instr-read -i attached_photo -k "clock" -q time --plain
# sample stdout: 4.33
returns 8.26
